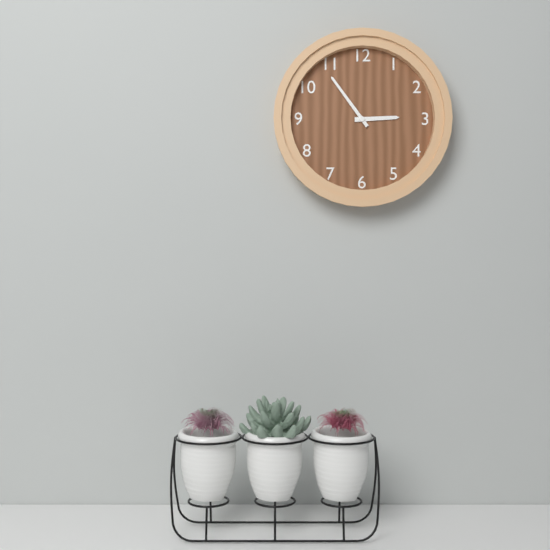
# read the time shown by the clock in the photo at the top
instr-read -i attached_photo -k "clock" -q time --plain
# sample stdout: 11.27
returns 2.54
